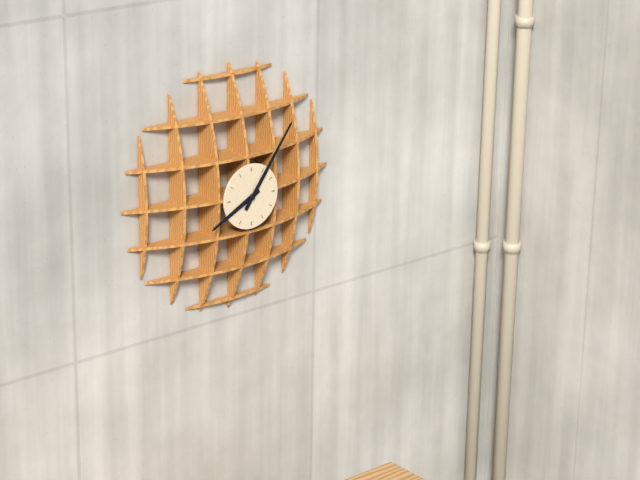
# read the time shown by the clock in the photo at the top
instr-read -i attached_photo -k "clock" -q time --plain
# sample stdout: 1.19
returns 8.06
